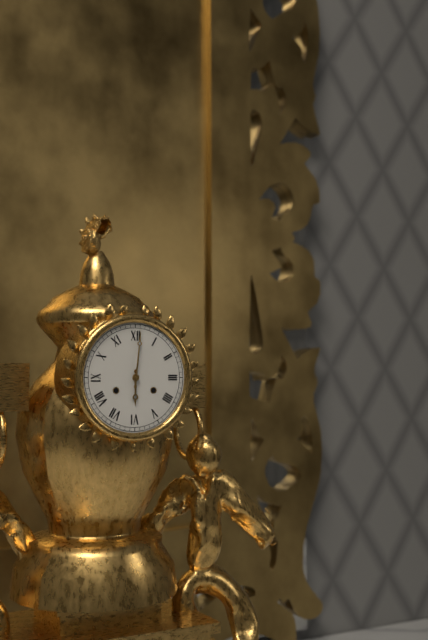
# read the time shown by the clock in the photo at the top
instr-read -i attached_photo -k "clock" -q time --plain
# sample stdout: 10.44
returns 6.01
